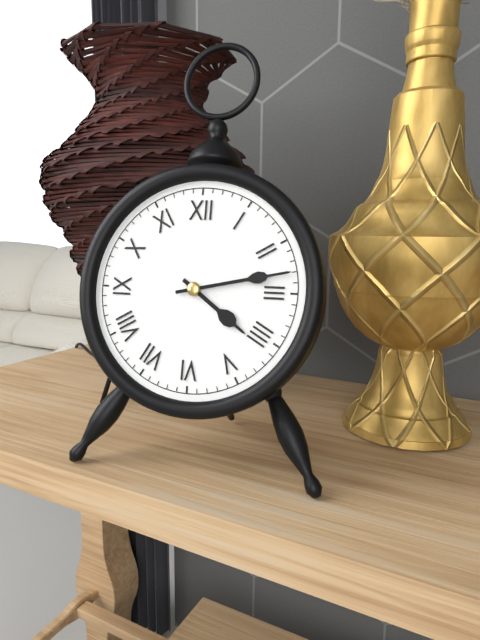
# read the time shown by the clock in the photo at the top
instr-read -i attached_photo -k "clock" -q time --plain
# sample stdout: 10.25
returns 4.13
